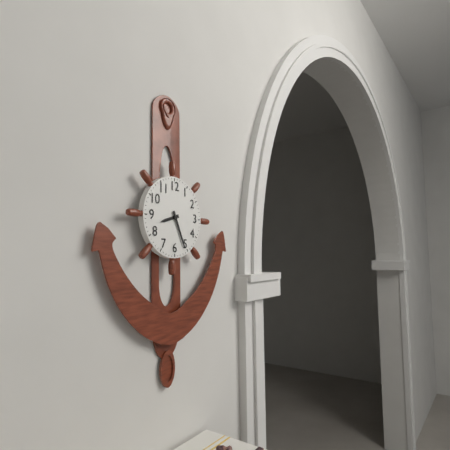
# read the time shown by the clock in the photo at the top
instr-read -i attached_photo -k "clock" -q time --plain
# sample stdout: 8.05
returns 8.26
